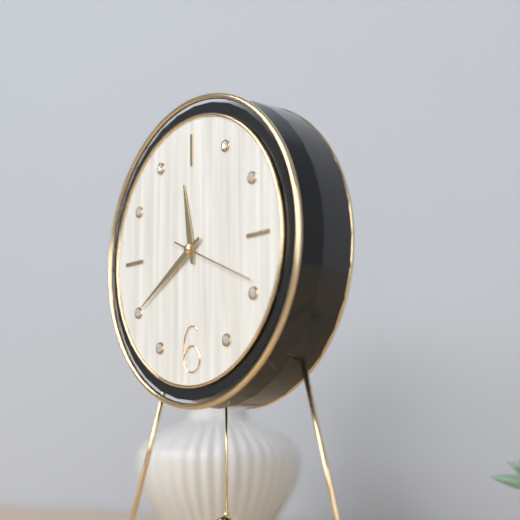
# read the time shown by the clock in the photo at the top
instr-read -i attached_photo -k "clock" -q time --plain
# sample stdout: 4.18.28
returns 11.40.19
